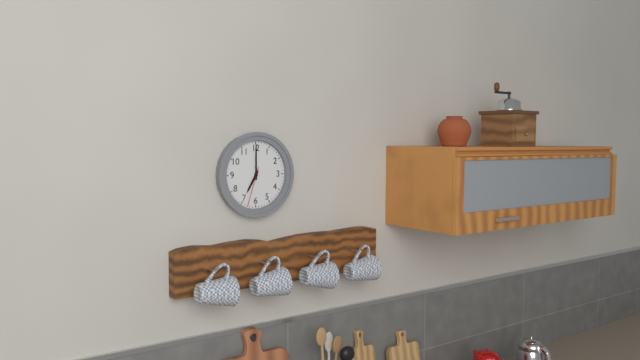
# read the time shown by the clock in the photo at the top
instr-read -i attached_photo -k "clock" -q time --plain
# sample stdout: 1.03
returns 7.00
